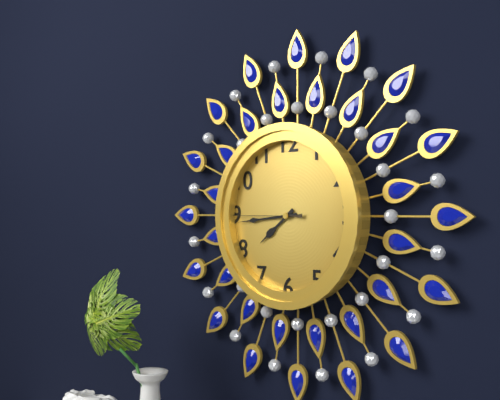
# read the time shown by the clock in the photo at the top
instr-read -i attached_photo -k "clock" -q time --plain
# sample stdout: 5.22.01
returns 7.44.45
